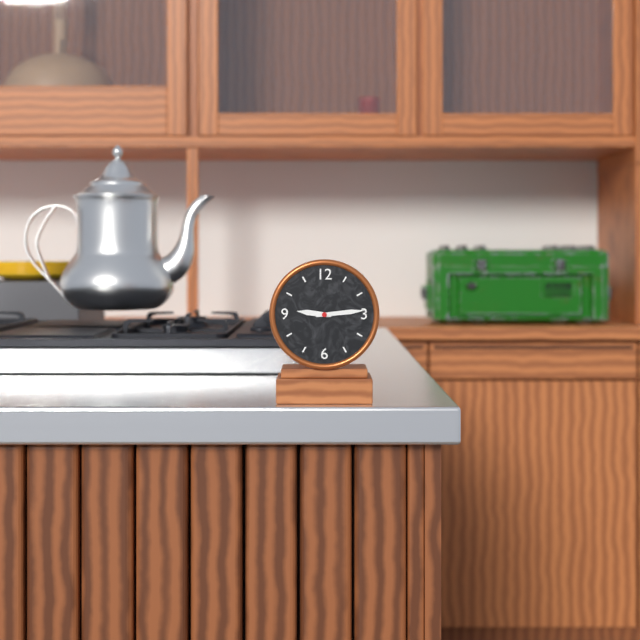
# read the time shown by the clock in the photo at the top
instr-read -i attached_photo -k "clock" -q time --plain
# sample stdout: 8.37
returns 9.14
